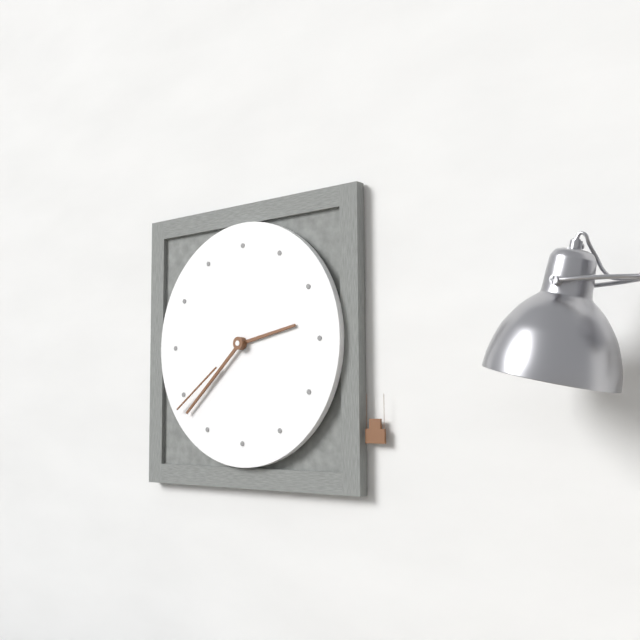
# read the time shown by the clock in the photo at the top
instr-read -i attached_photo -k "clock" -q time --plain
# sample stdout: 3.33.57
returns 2.38.39
